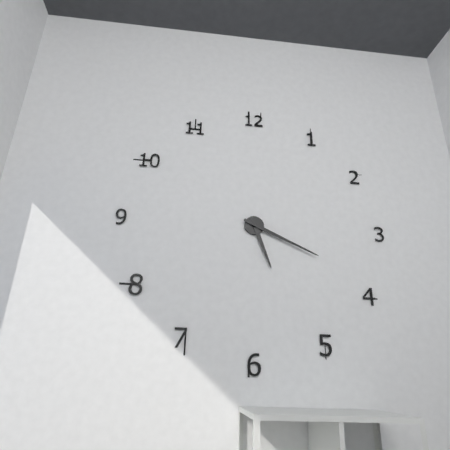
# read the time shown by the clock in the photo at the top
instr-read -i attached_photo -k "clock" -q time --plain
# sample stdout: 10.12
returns 5.19
